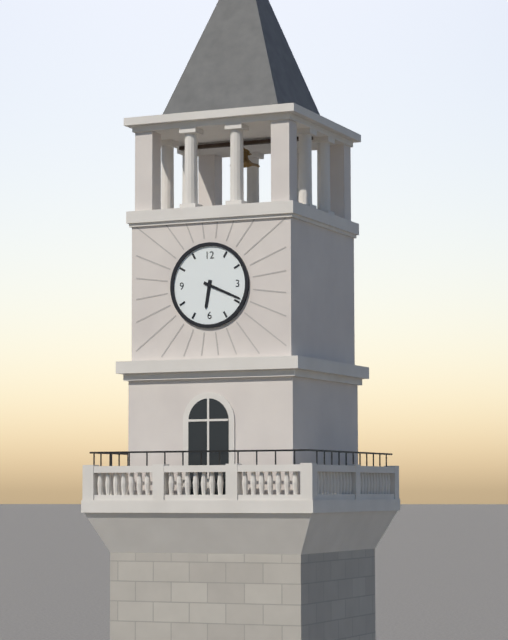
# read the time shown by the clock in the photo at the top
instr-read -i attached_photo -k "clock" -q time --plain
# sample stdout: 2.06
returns 6.19
